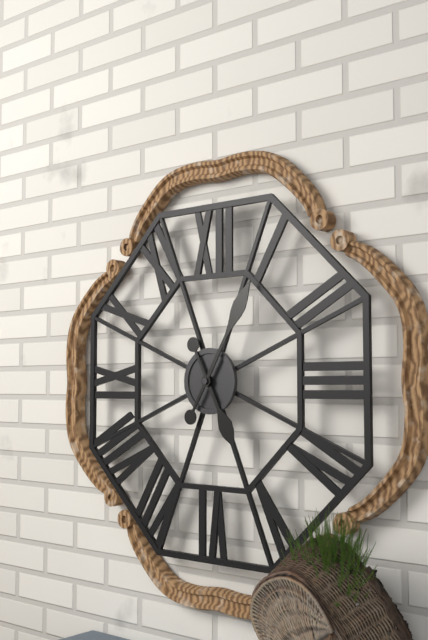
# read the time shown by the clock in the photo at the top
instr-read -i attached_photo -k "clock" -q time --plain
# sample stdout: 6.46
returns 5.05
